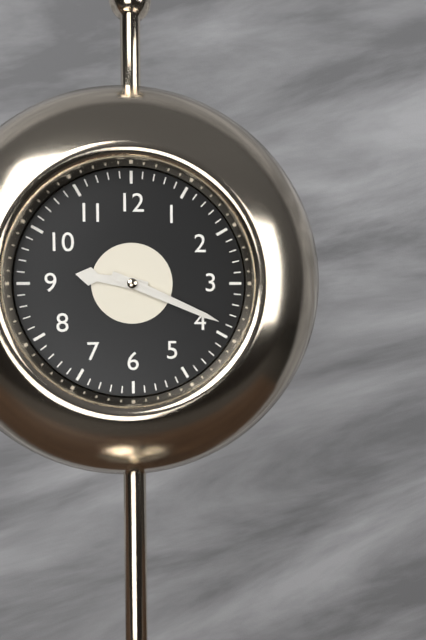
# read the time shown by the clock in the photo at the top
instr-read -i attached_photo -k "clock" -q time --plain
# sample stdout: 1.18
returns 9.19
